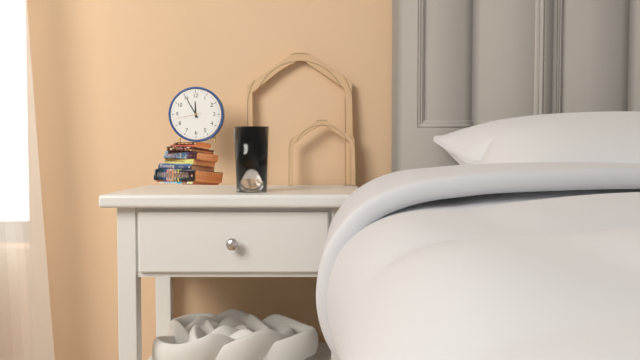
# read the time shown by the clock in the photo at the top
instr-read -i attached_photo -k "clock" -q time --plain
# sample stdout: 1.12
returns 11.55
